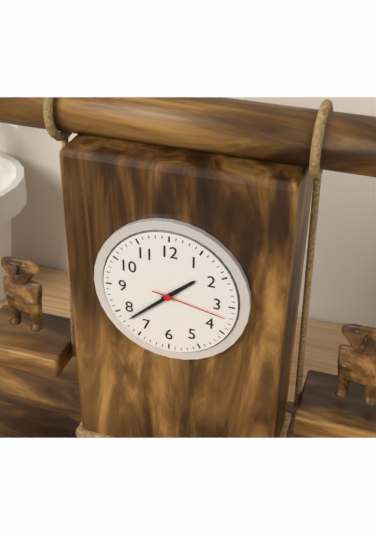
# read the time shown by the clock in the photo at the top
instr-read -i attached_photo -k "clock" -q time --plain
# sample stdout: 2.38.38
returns 1.38.17
